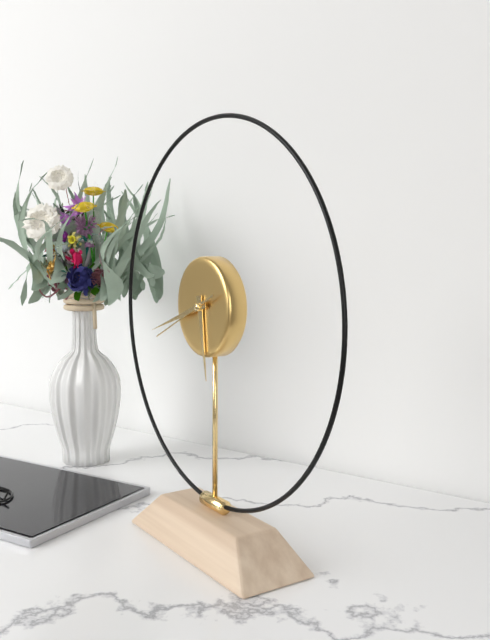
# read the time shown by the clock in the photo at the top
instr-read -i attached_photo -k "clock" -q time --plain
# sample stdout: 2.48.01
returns 5.42.41
